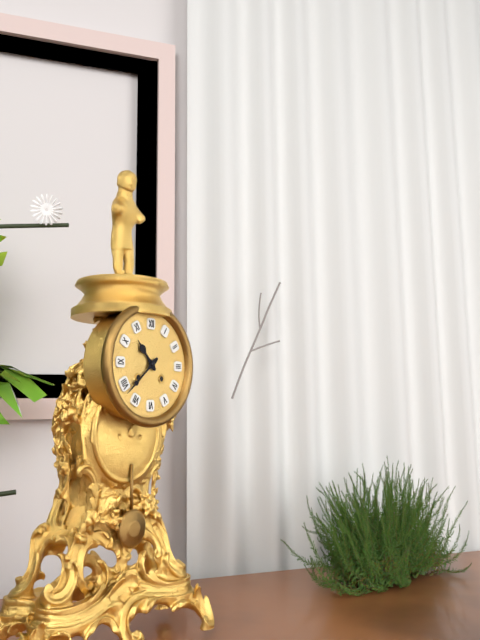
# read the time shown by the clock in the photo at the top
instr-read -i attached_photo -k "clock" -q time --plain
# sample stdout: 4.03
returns 10.38
